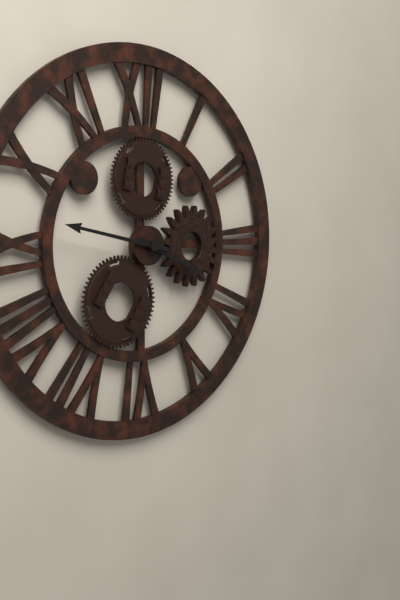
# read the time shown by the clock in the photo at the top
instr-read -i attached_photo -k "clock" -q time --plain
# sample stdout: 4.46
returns 3.47
